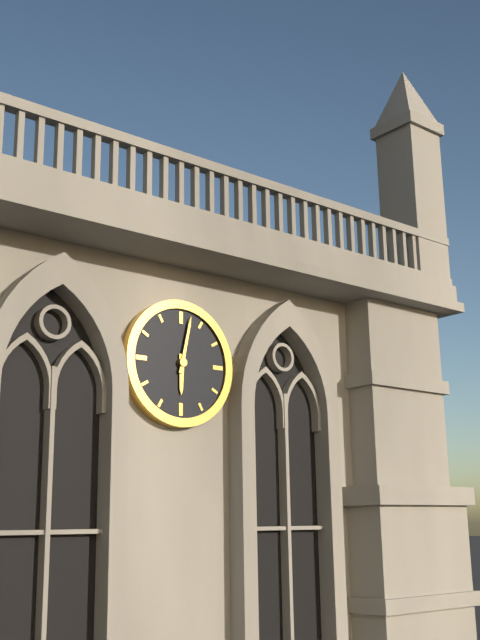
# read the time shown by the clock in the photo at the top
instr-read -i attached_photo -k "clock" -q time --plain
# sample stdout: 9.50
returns 6.02
